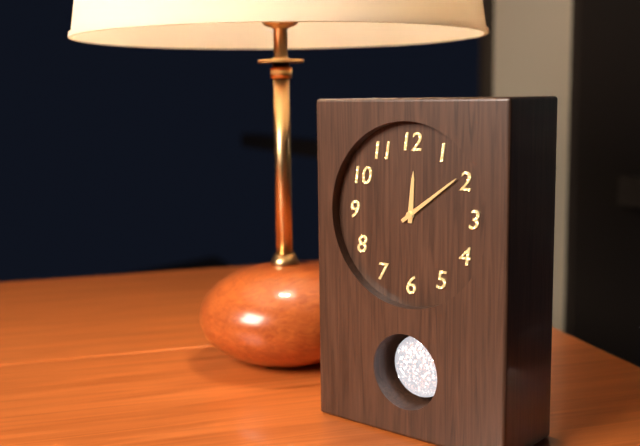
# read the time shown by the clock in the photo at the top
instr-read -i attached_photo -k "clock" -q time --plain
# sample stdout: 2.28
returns 12.09
